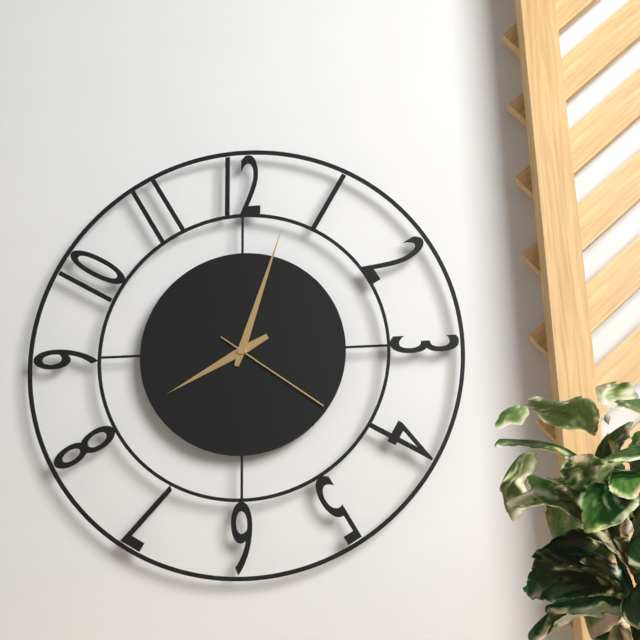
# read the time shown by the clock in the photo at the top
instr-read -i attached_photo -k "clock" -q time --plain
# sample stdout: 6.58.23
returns 8.03.21
